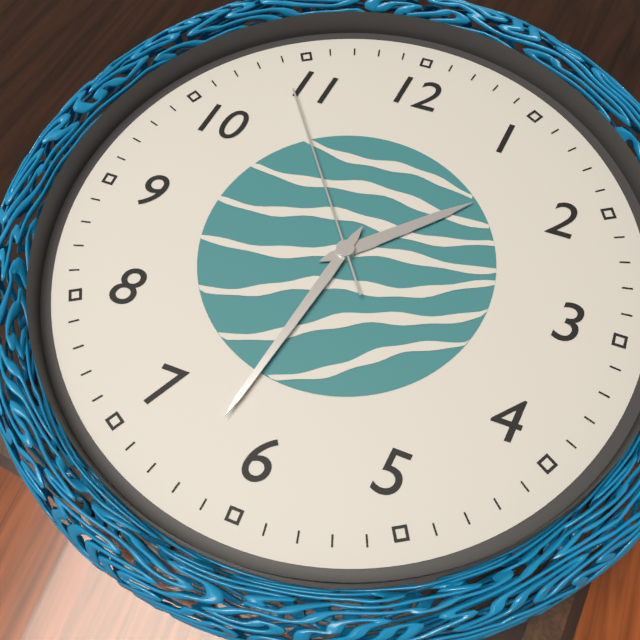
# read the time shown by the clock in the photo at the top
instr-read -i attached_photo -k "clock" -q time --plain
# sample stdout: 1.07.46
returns 1.32.54
